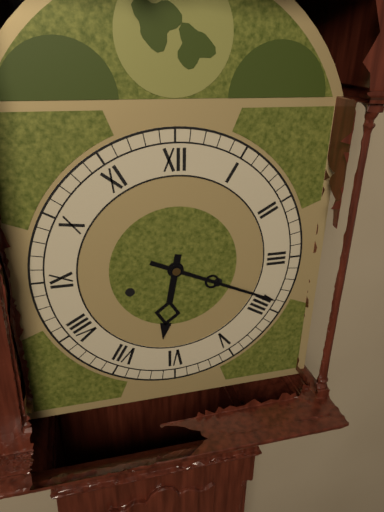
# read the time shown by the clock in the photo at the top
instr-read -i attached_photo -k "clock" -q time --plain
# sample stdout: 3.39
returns 6.19
